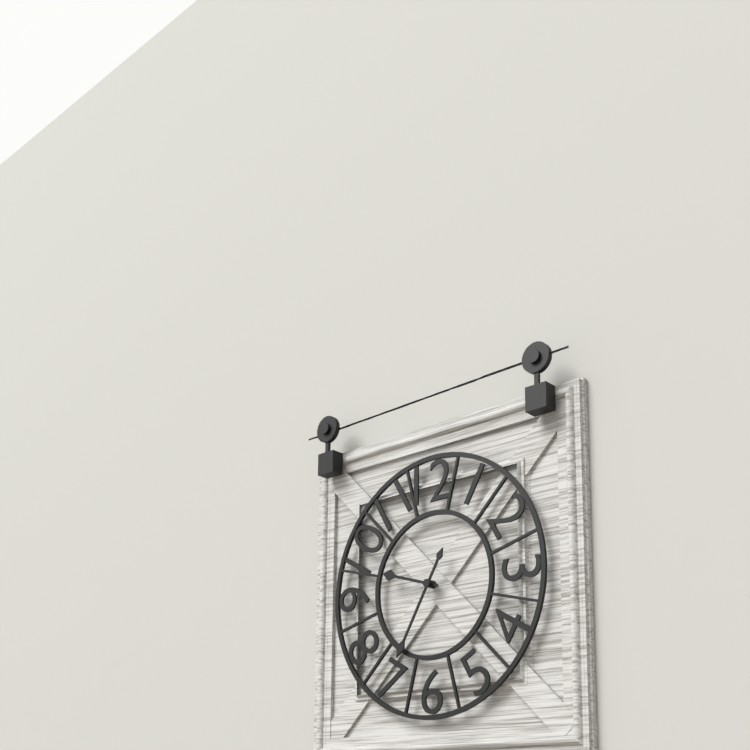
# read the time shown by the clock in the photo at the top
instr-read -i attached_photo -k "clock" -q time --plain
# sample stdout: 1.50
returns 9.35
